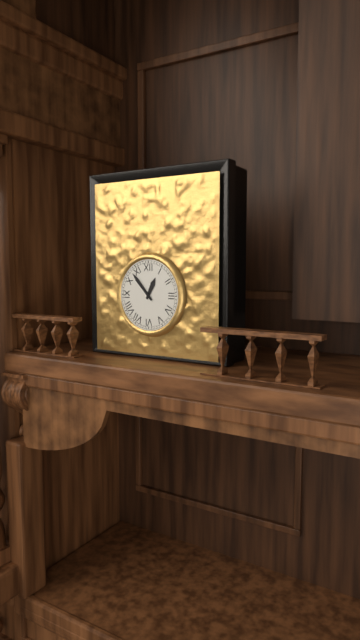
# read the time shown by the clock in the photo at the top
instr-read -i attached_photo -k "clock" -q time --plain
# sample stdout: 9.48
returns 12.53
